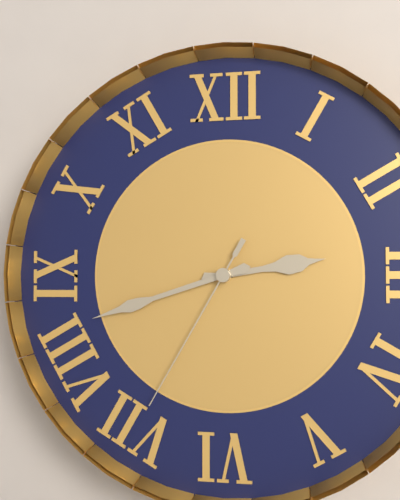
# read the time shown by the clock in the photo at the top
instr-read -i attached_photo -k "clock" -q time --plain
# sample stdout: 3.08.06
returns 2.42.35
